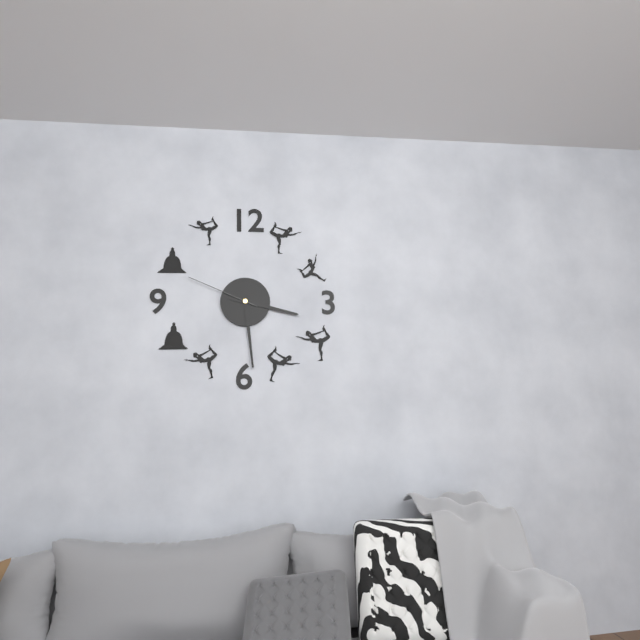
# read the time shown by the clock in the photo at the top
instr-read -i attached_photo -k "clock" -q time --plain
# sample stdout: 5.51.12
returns 3.29.49
